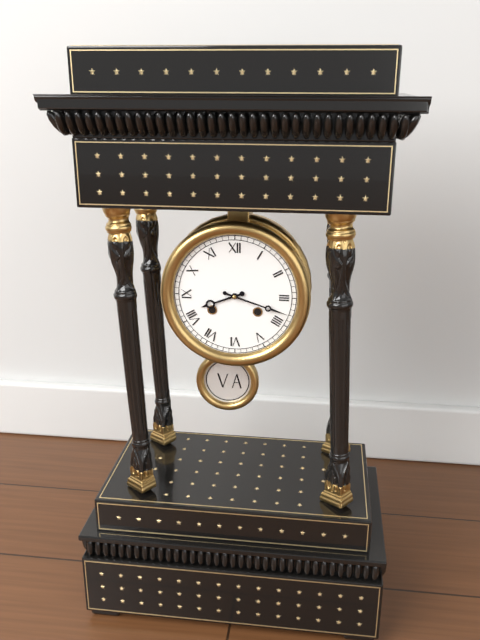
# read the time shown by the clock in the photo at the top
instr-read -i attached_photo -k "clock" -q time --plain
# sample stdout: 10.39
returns 8.18
